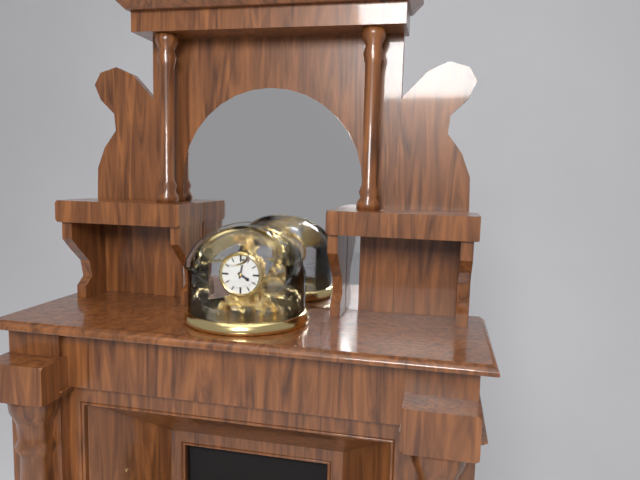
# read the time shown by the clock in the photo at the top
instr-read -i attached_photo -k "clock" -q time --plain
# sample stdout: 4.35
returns 4.02
